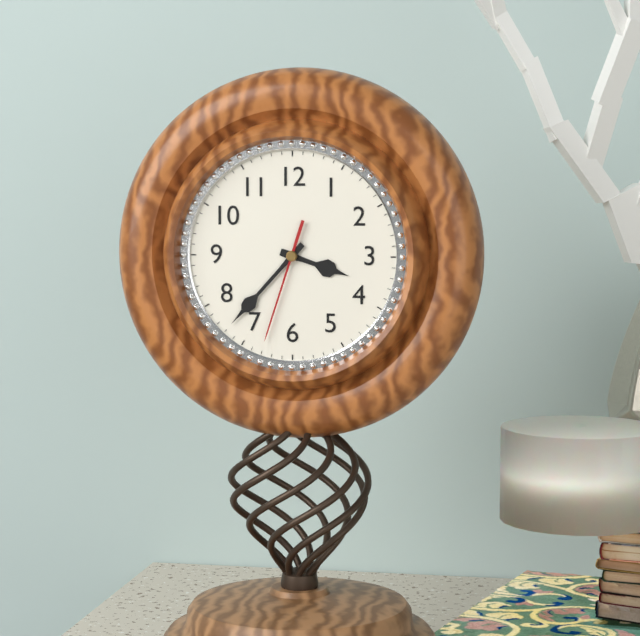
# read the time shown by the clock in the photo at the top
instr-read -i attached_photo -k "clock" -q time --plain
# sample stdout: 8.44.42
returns 3.37.33
